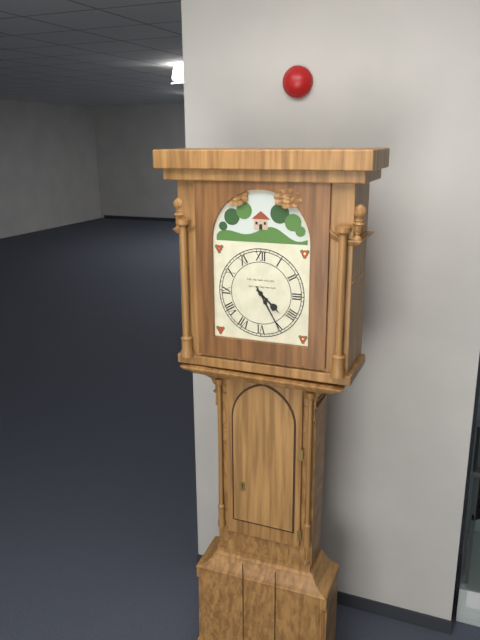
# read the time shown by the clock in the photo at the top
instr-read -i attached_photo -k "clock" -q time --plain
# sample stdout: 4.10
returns 4.25
